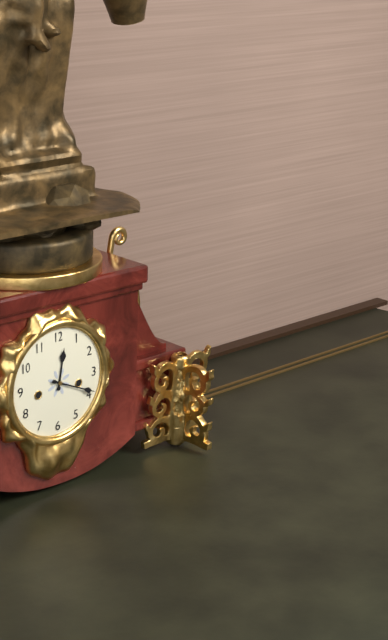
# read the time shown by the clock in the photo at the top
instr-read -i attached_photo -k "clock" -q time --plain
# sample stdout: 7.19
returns 12.19
